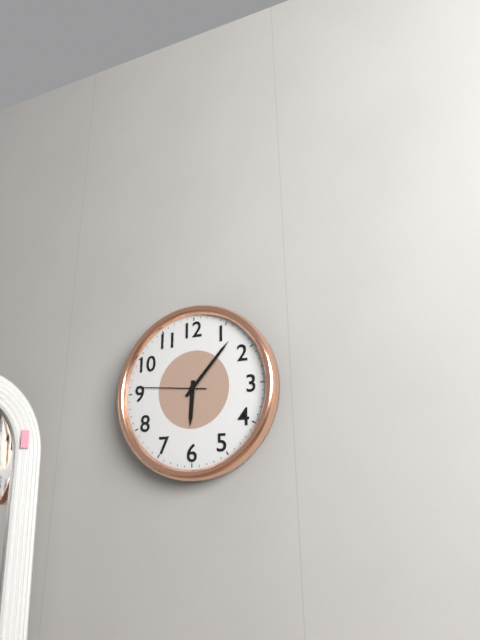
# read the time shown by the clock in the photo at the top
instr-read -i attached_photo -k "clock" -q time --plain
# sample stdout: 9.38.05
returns 6.07.46
